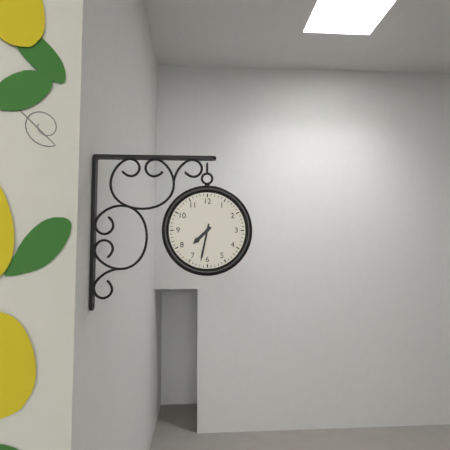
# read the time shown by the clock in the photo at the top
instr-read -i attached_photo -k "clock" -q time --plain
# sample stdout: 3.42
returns 7.32
